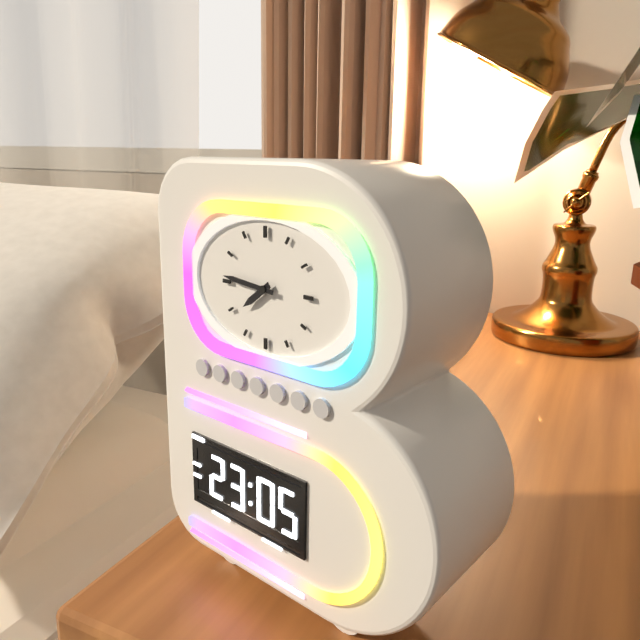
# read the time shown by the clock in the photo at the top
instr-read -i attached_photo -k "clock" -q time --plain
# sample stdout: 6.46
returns 7.46
